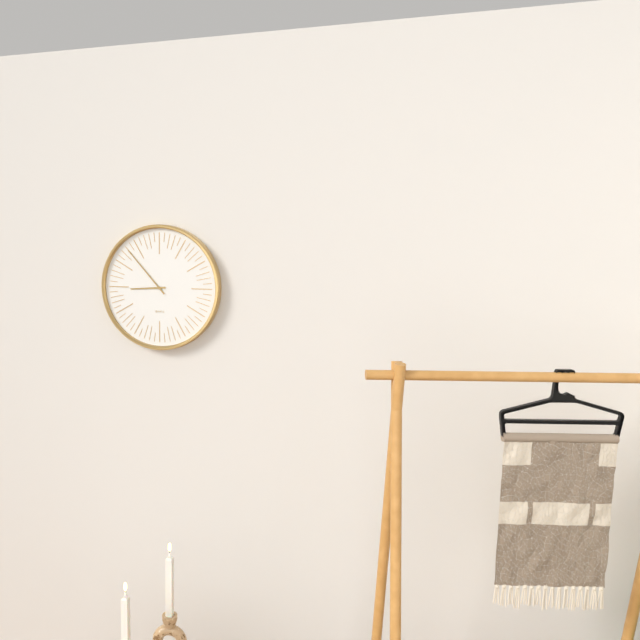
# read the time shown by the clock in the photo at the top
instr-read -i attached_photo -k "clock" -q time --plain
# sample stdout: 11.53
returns 8.53
